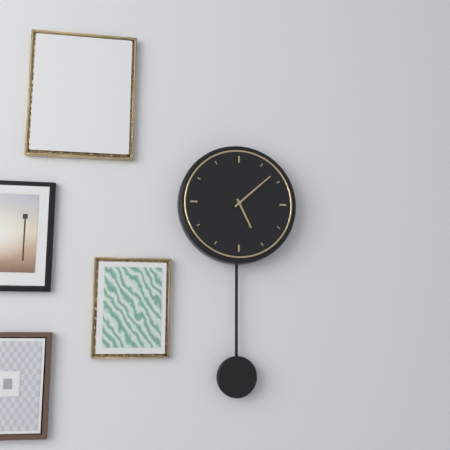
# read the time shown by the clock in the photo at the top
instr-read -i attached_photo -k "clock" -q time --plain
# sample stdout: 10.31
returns 5.08
